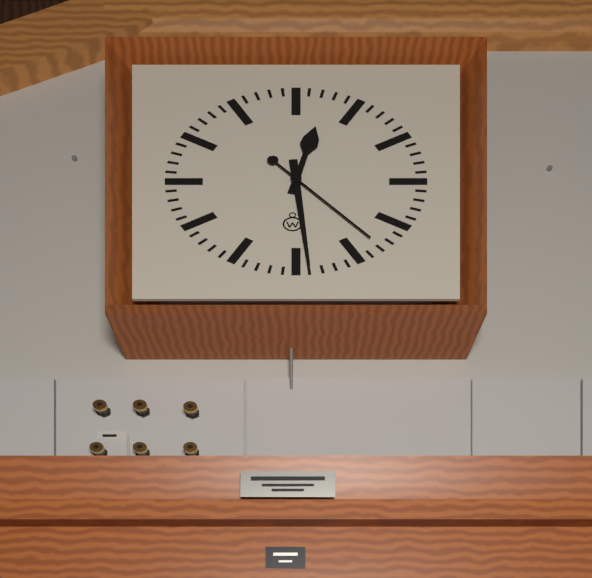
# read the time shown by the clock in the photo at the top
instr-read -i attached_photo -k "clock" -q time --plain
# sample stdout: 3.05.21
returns 12.29.23
